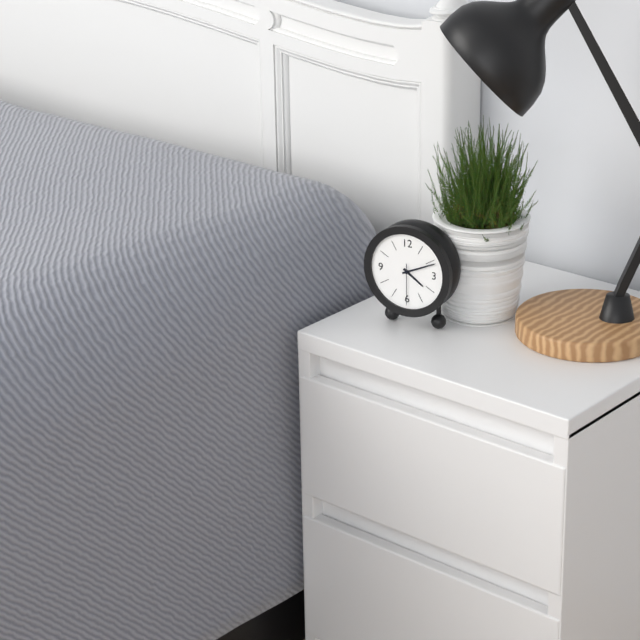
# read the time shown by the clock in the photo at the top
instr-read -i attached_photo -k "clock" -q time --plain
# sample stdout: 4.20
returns 4.11
